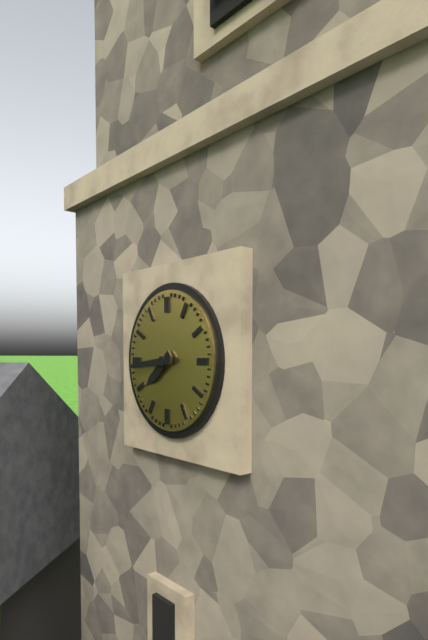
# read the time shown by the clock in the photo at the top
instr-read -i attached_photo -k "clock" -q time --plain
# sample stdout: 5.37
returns 7.44
